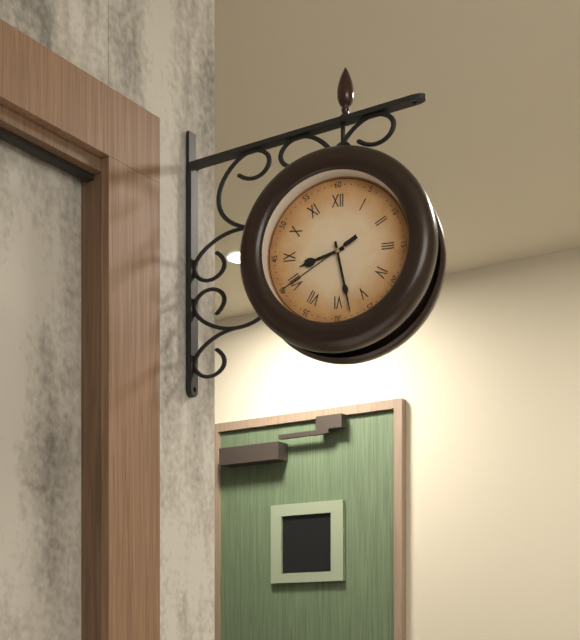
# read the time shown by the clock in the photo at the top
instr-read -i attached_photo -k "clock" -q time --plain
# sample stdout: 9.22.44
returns 8.28.40
